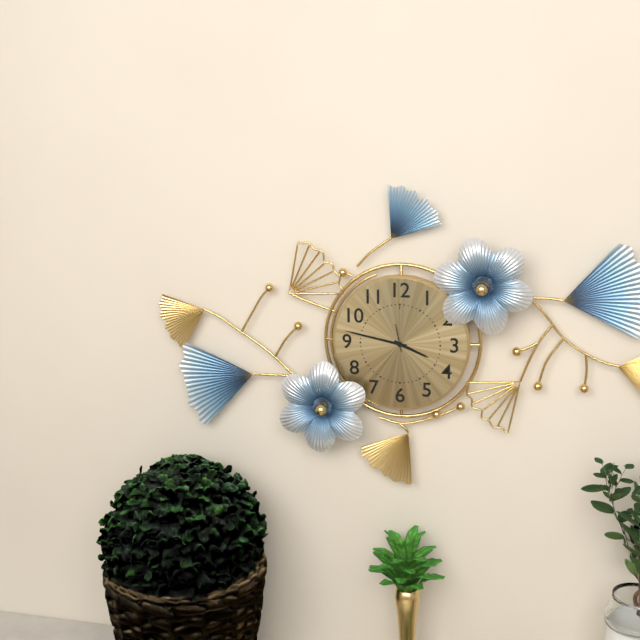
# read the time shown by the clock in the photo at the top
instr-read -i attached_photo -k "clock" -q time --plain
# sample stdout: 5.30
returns 3.47
